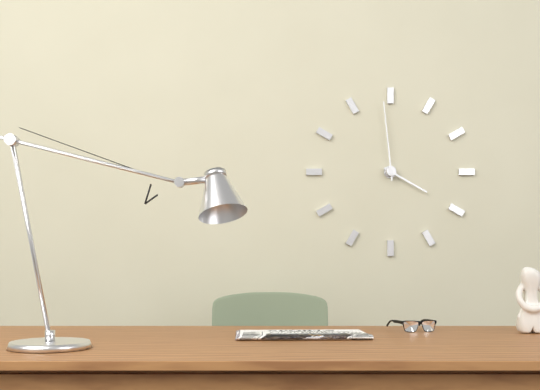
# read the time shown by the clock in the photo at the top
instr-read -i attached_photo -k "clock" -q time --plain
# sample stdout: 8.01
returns 3.59
